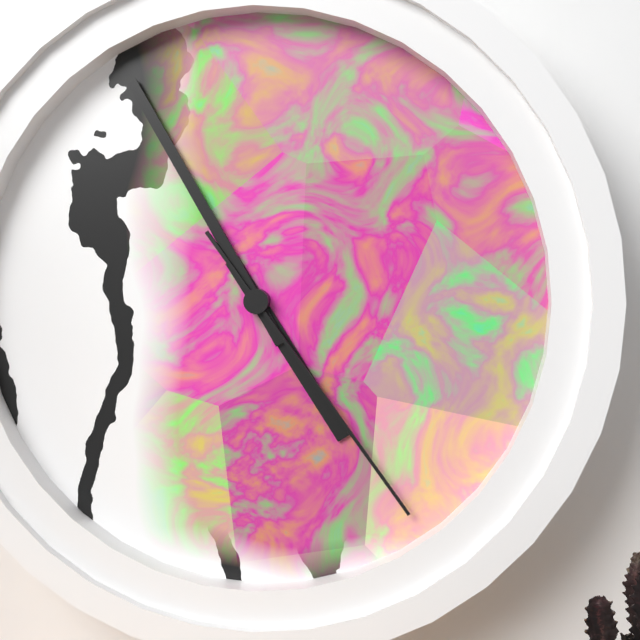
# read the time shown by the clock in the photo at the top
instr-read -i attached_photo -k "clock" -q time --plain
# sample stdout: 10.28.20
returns 4.55.24
